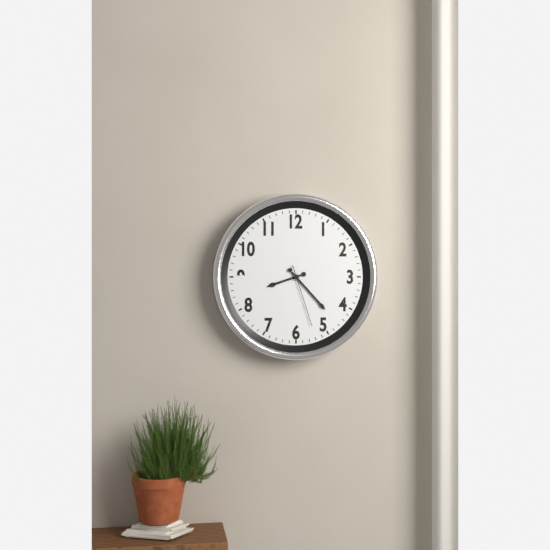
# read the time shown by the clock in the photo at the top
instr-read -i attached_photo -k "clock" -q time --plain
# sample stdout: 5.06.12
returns 8.23.27
